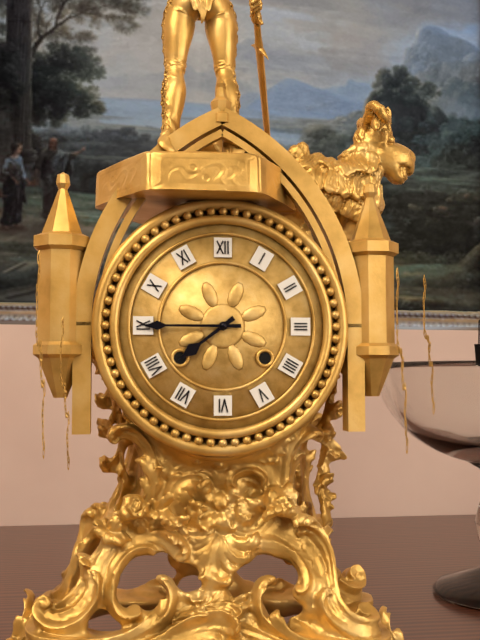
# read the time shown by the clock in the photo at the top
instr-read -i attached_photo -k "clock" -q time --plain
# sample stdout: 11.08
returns 7.45
